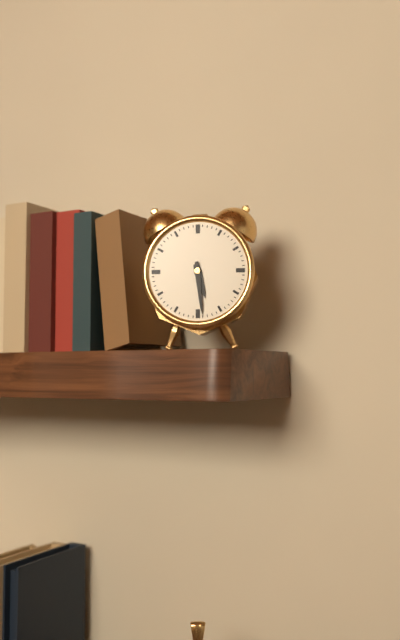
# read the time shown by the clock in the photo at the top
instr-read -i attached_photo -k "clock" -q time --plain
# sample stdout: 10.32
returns 5.29
